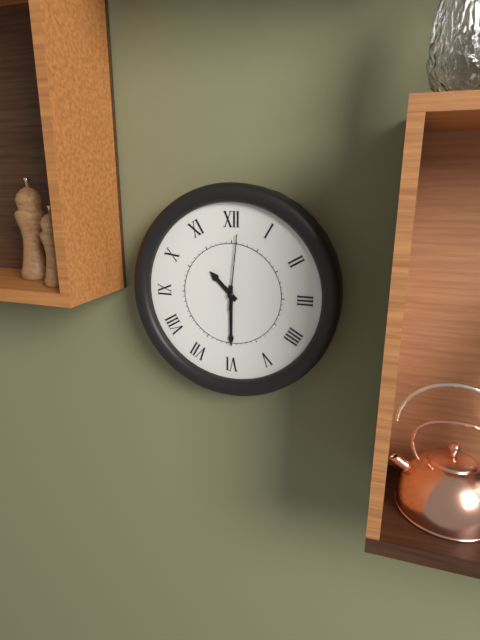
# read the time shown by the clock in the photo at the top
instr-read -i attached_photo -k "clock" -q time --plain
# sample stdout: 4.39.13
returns 10.30.01
